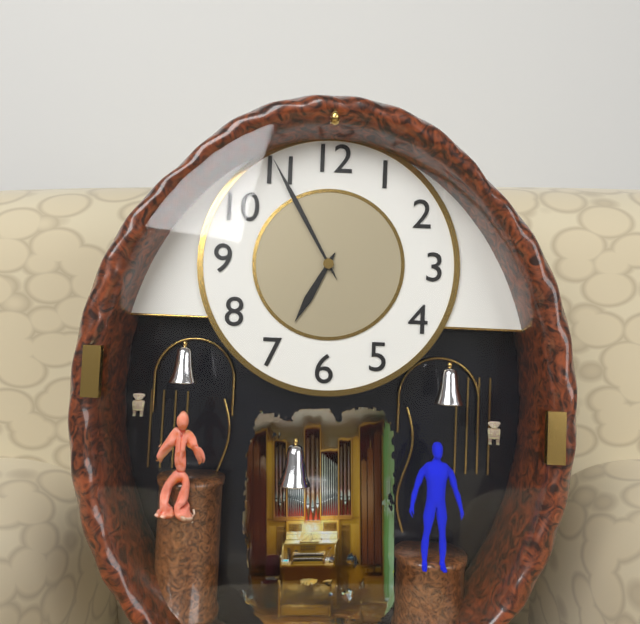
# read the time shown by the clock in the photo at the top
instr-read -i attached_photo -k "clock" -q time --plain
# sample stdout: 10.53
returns 6.55
